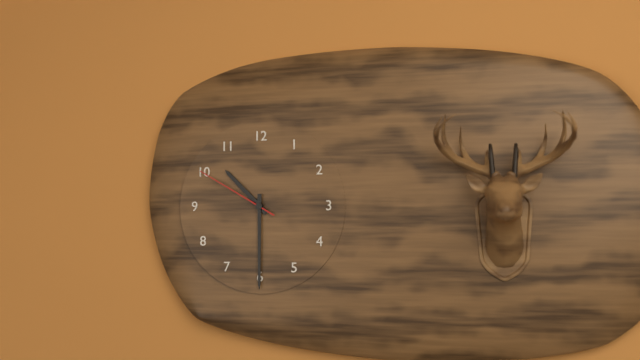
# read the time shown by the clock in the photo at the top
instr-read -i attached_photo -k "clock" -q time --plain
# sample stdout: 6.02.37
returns 10.30.50
